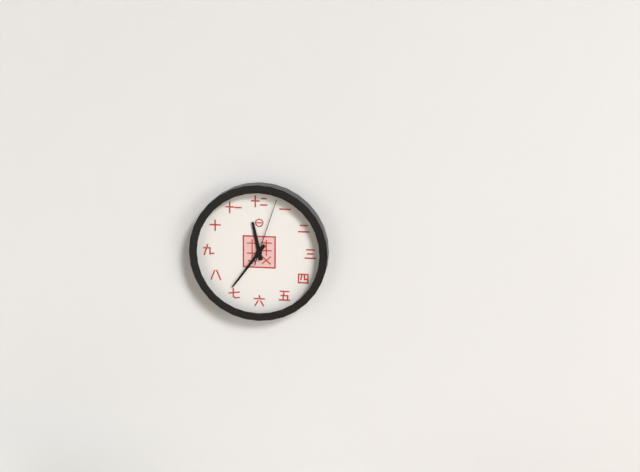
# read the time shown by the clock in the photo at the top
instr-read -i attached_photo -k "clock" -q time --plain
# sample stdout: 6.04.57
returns 11.36.03
